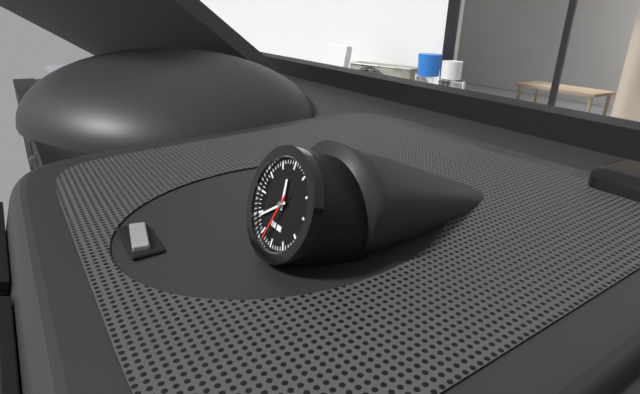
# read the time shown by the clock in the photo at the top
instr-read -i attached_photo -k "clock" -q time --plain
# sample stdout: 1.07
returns 11.39
